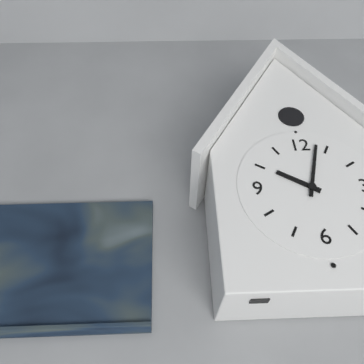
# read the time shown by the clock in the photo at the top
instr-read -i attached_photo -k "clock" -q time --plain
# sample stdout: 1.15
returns 10.03
